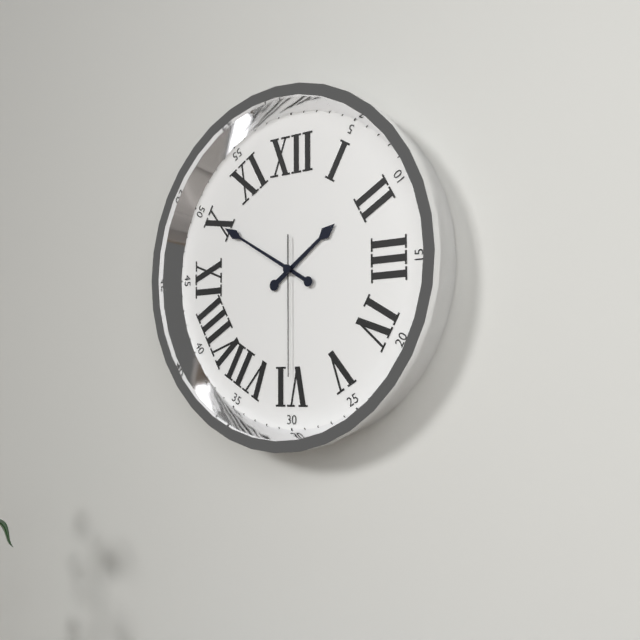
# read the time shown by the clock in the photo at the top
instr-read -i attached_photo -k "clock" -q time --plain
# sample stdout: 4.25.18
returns 1.50.30
